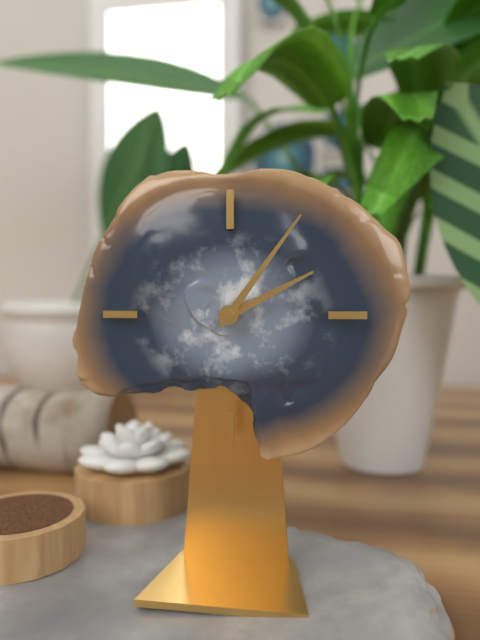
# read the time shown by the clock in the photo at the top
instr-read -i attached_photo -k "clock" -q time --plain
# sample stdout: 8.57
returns 2.06
